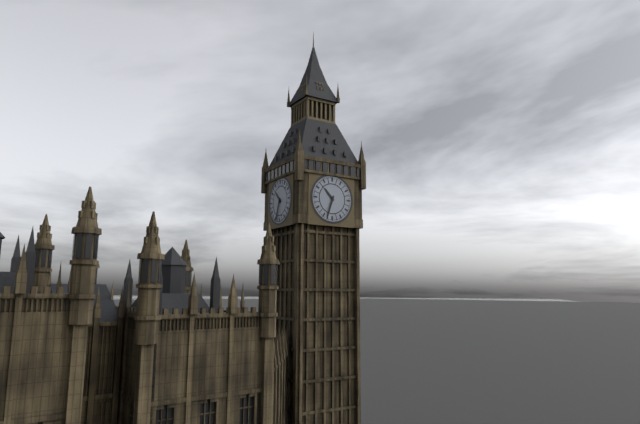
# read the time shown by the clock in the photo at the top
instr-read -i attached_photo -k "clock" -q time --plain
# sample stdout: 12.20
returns 10.33
